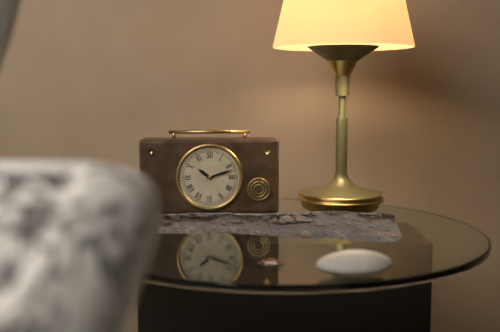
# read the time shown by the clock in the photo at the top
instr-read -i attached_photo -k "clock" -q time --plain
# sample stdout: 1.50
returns 10.12
